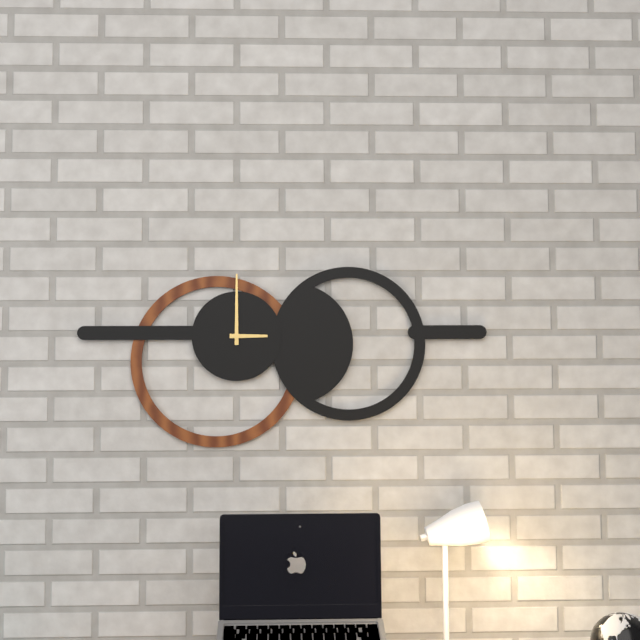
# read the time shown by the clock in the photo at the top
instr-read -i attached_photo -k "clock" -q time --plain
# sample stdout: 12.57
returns 3.00
